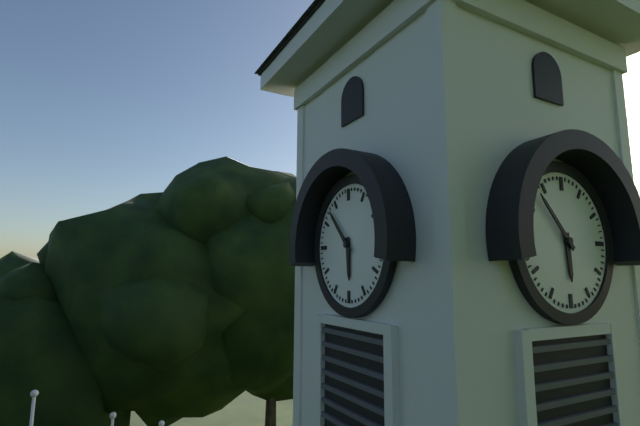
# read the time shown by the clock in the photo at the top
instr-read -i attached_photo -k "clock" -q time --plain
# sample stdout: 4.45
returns 5.53
